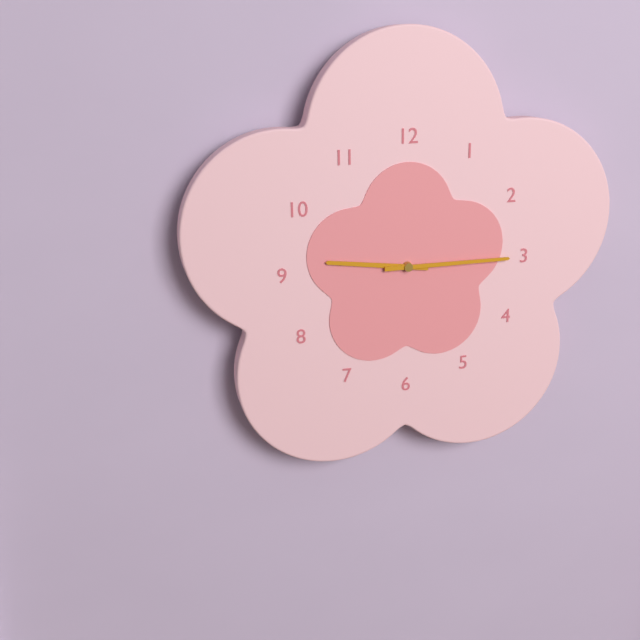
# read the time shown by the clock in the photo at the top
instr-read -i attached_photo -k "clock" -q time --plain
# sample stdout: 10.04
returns 9.15
